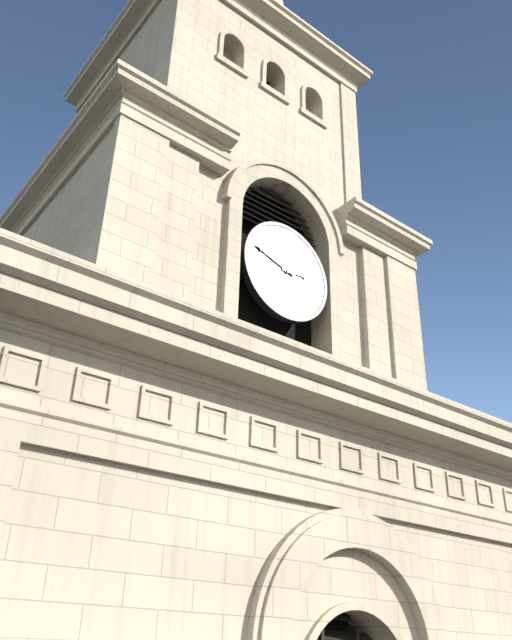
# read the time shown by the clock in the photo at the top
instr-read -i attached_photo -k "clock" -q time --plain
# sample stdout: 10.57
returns 2.48
